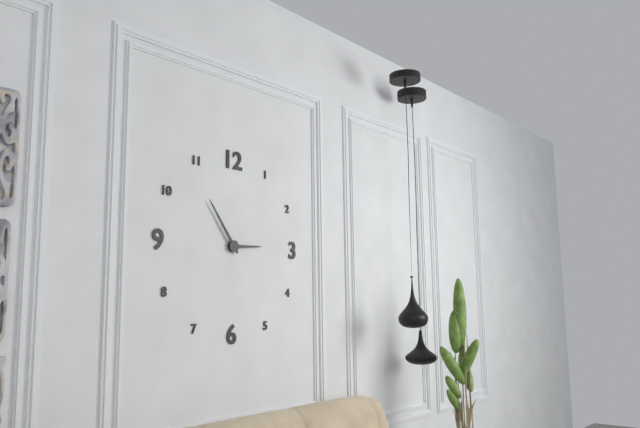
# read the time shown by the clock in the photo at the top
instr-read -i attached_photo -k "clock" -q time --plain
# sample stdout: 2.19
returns 2.54
